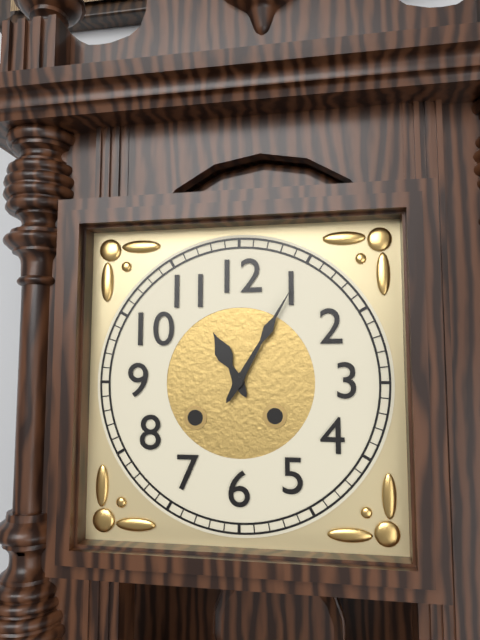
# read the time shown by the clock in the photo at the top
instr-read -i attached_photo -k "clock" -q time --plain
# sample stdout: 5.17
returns 11.05
